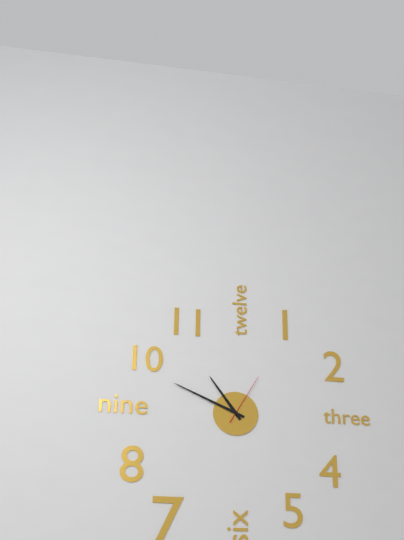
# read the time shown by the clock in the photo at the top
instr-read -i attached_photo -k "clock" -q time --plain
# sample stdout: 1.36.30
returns 10.49.05
